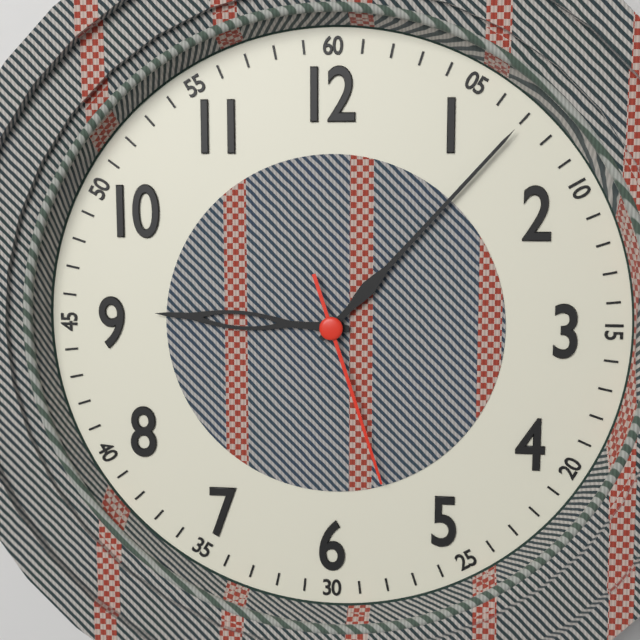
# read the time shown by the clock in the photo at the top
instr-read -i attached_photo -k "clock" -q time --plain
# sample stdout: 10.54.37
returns 9.07.27
